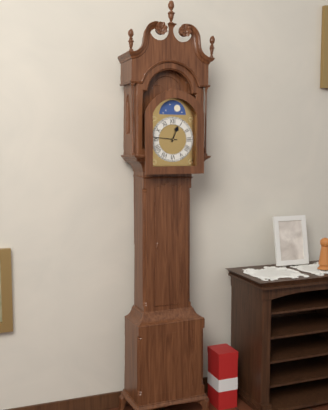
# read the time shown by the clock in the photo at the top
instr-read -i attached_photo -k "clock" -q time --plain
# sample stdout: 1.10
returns 12.46
